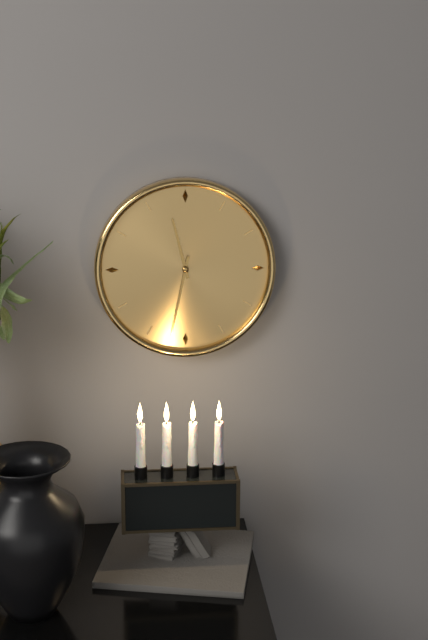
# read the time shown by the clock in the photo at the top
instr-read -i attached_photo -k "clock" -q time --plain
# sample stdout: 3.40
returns 11.32
